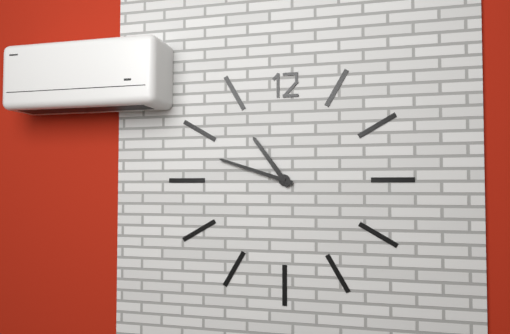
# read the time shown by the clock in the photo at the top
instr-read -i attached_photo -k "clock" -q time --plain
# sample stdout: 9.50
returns 10.48
